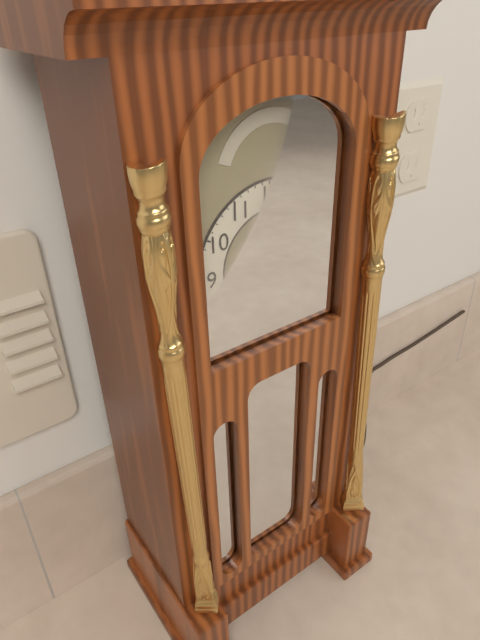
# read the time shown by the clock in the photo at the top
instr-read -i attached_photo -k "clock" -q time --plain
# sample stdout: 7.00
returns 4.27
